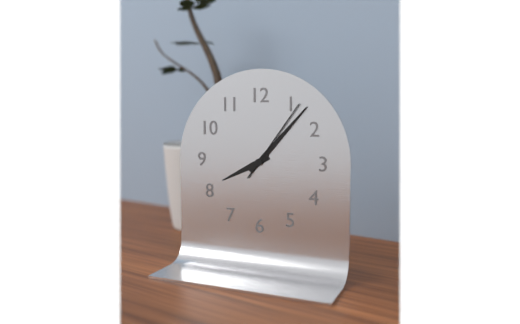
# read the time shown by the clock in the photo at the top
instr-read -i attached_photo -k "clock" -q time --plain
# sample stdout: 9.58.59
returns 8.07.06
